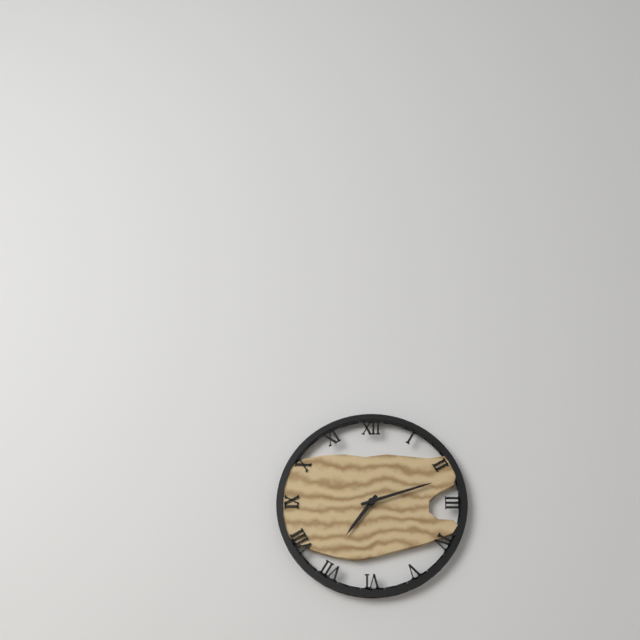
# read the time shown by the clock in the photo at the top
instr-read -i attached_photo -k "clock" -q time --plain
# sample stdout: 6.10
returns 7.12
